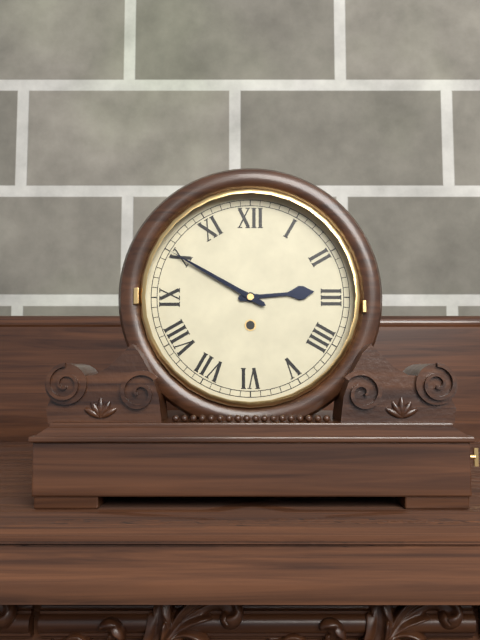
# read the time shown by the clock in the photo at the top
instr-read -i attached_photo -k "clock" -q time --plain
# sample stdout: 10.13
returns 2.50
